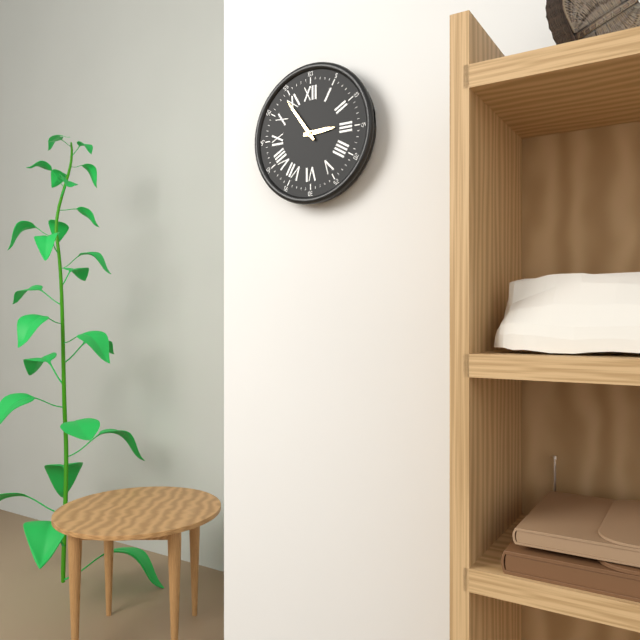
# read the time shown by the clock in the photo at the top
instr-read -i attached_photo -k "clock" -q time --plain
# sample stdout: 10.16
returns 2.54
